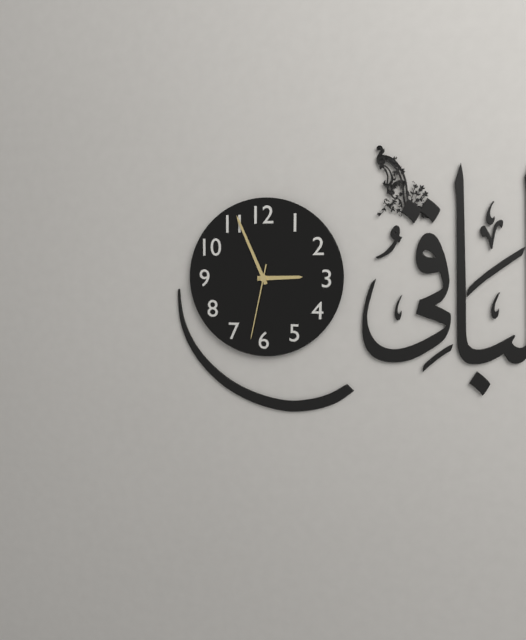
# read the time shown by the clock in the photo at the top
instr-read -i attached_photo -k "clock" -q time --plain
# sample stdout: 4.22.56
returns 2.56.32
